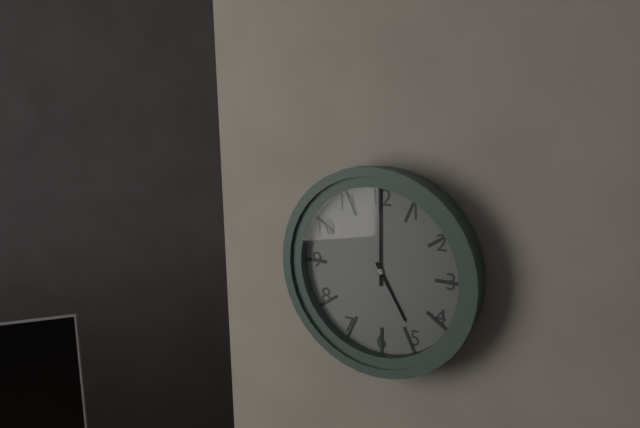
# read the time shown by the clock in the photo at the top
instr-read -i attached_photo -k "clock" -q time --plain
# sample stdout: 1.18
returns 5.00
